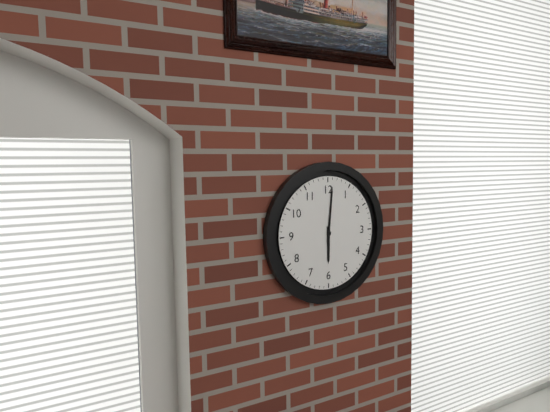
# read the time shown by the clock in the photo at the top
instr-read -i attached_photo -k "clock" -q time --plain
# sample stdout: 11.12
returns 6.01
